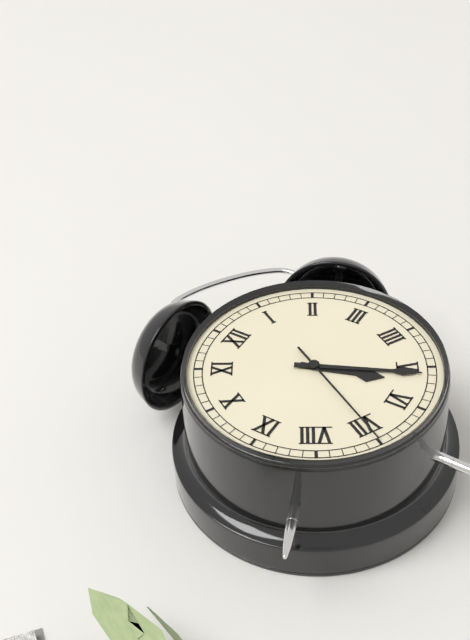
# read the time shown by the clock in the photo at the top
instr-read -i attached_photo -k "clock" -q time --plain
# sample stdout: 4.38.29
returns 5.26.35
